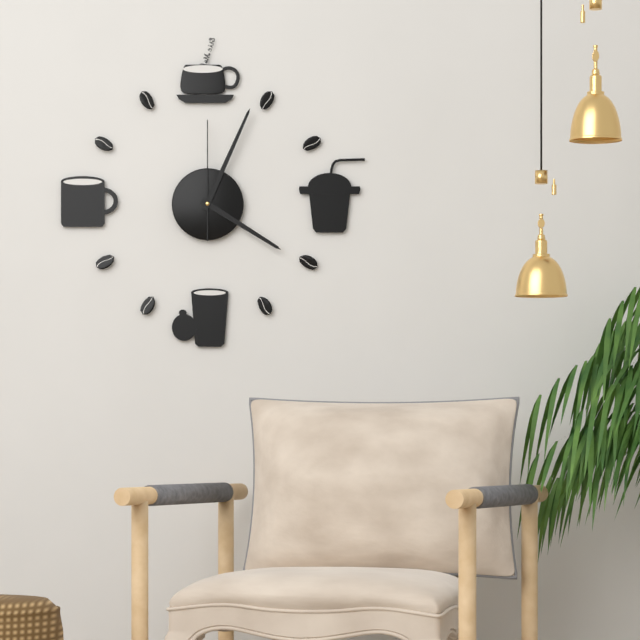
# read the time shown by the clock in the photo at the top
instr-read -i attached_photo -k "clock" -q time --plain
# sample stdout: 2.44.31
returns 4.04.00
